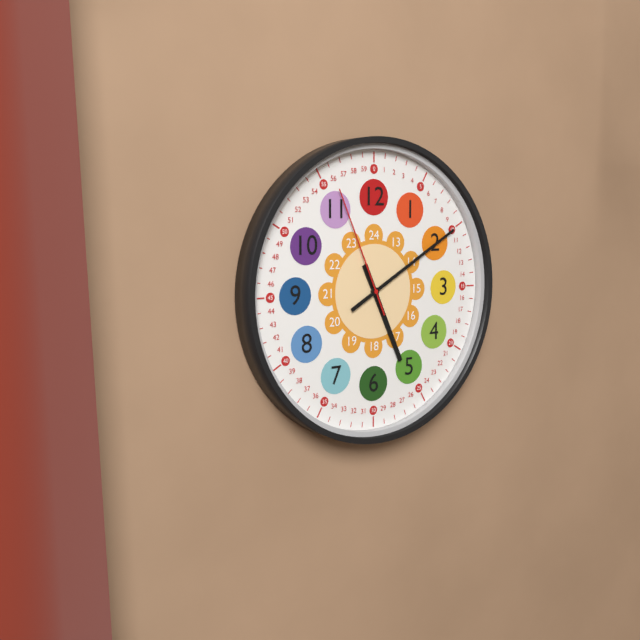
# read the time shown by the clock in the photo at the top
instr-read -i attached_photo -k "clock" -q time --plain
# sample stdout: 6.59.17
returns 5.10.56
